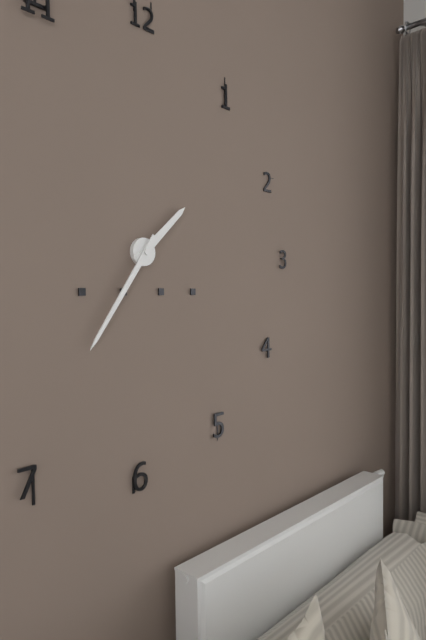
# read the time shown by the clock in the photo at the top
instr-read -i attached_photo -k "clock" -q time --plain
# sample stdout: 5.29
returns 1.36
